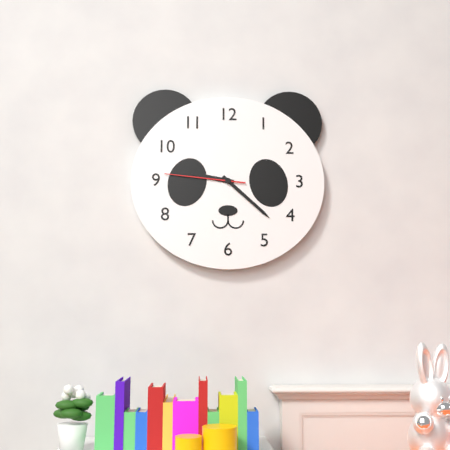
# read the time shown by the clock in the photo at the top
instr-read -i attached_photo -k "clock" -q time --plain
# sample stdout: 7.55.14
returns 9.22.46
